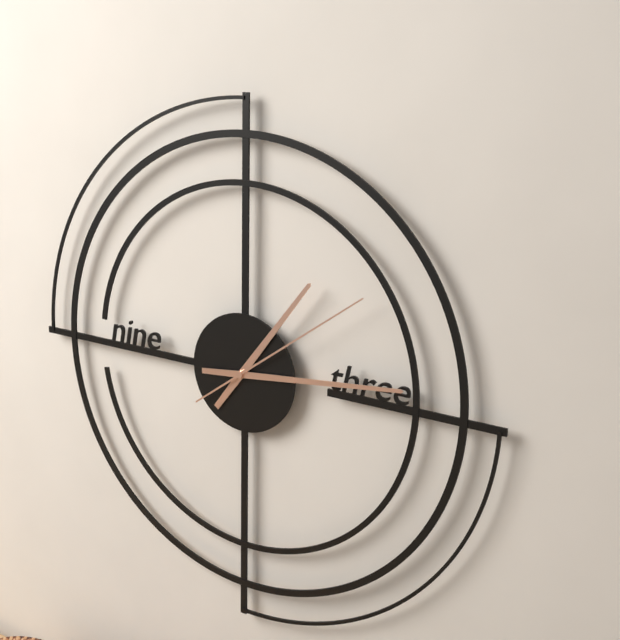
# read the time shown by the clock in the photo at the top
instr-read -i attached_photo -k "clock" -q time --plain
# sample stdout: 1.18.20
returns 1.14.09
